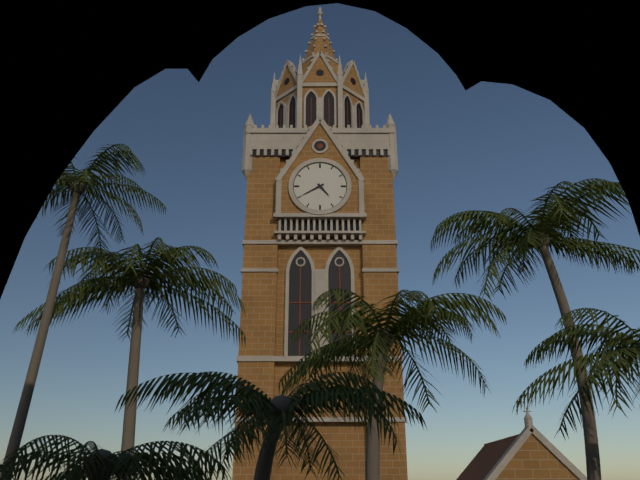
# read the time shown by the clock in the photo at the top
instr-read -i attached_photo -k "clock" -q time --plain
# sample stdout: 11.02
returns 4.40
